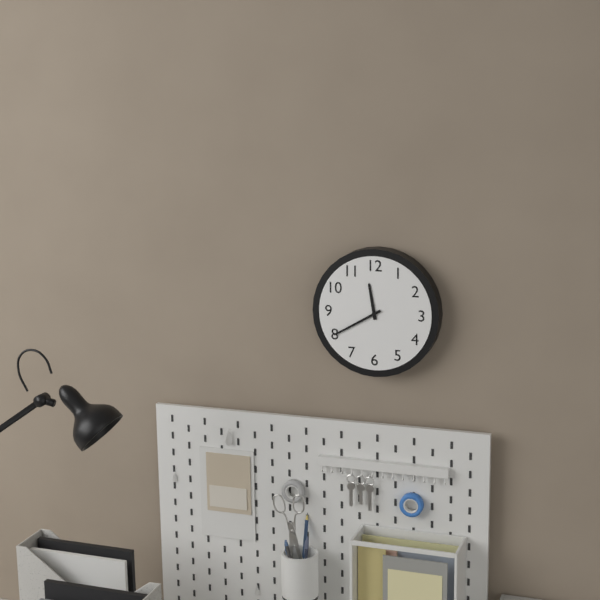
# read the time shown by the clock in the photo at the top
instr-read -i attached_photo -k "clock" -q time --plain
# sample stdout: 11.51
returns 11.40
